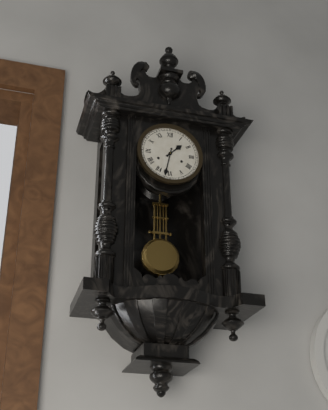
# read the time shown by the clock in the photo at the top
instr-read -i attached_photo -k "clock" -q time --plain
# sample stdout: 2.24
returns 1.32
